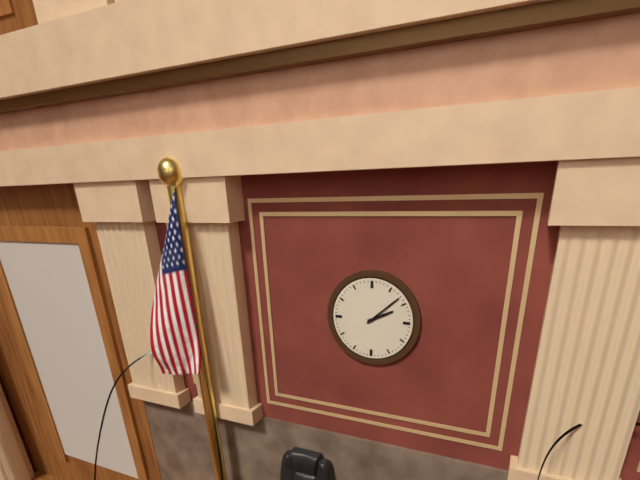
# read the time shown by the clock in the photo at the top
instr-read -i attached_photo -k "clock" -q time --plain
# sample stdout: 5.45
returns 2.08
